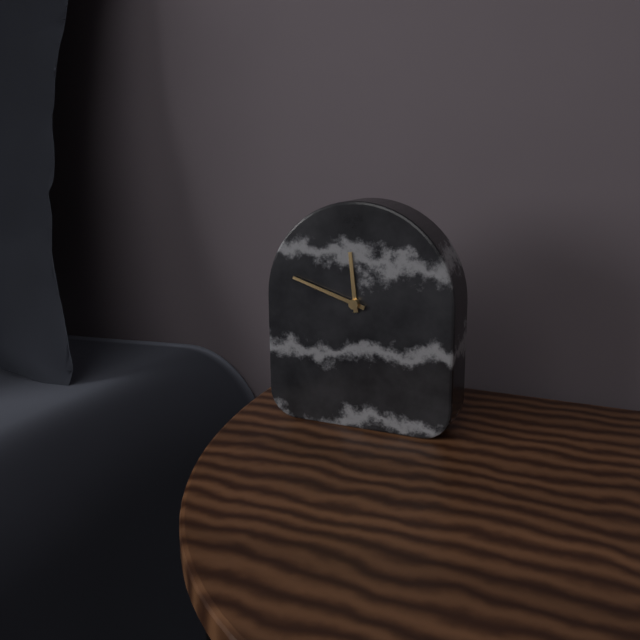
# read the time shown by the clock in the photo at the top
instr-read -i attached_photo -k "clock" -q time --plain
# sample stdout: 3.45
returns 11.48
